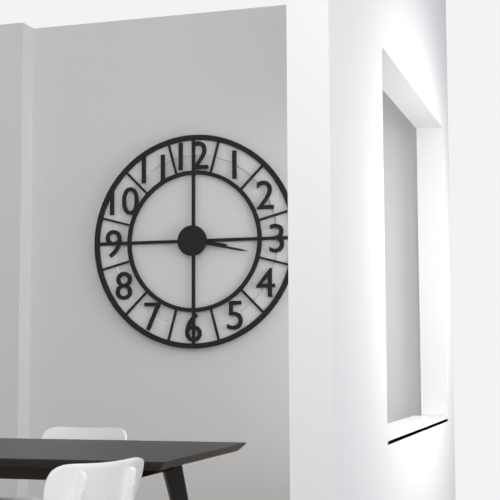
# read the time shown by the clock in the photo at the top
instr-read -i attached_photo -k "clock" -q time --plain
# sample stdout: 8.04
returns 3.17
